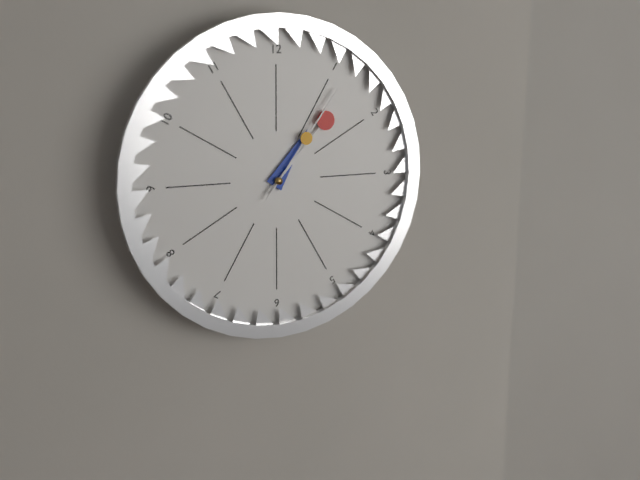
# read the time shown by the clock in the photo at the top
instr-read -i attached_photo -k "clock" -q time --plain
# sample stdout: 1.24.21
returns 1.07.06
